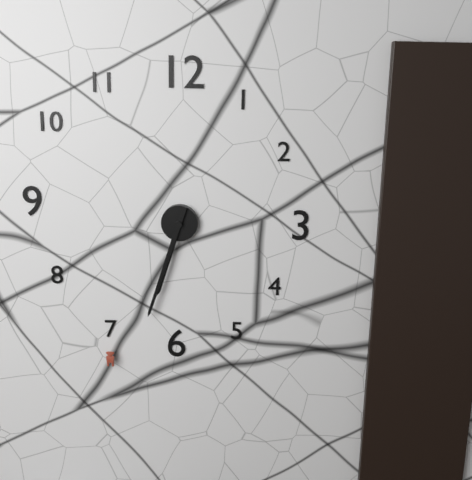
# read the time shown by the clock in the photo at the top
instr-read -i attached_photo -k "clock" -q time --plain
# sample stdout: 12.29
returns 6.33
